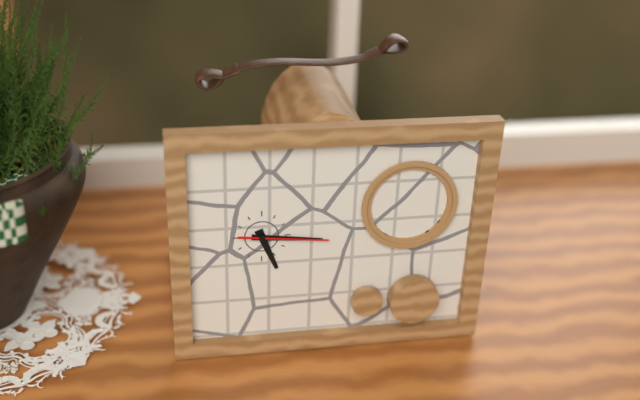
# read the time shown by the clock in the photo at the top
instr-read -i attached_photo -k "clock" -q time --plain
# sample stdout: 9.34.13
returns 5.16.16
